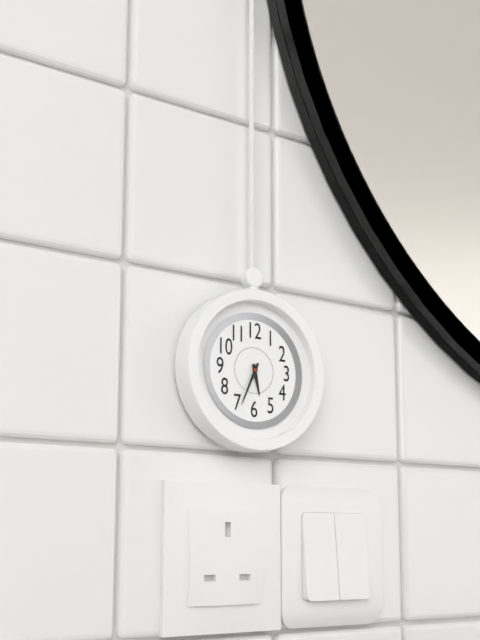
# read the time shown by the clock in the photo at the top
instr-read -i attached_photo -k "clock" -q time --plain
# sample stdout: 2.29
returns 5.34
